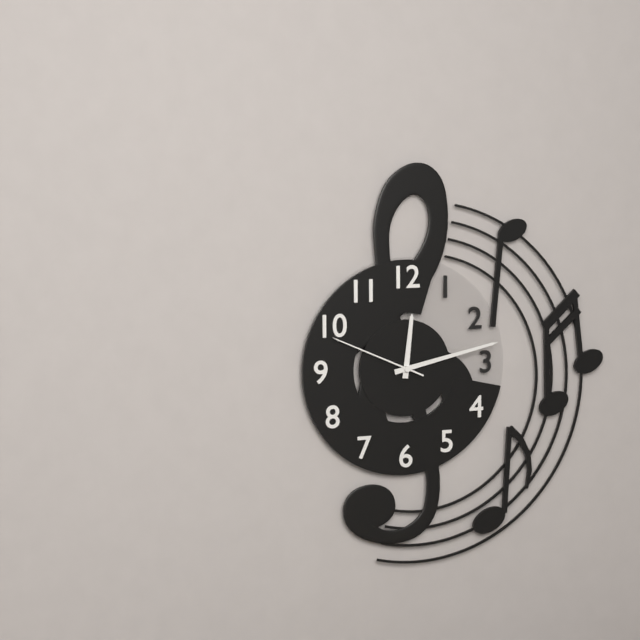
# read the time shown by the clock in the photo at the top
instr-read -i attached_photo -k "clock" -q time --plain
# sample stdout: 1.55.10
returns 12.13.49
